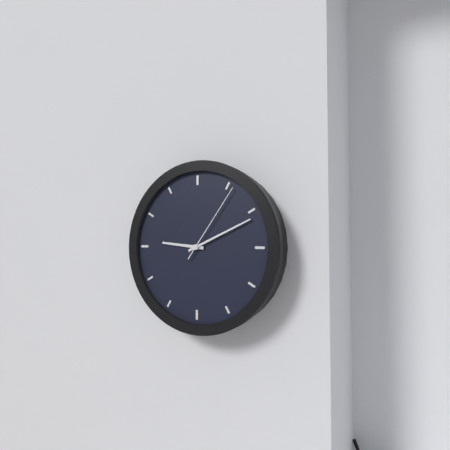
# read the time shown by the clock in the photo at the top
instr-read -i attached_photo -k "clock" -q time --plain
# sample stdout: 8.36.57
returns 9.11.06
